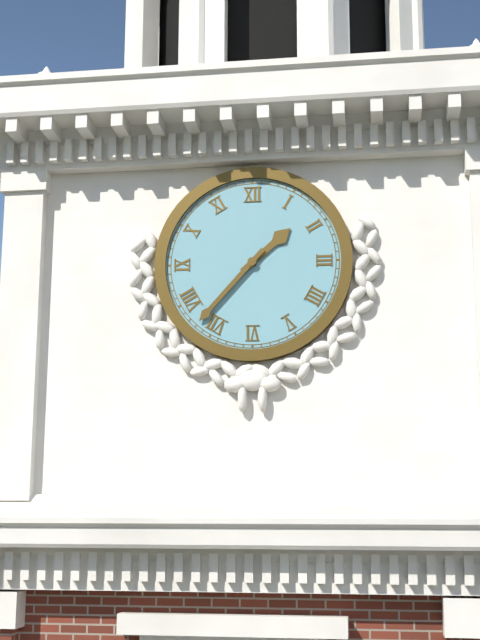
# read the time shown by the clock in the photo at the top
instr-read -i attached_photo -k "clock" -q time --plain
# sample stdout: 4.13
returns 1.37
